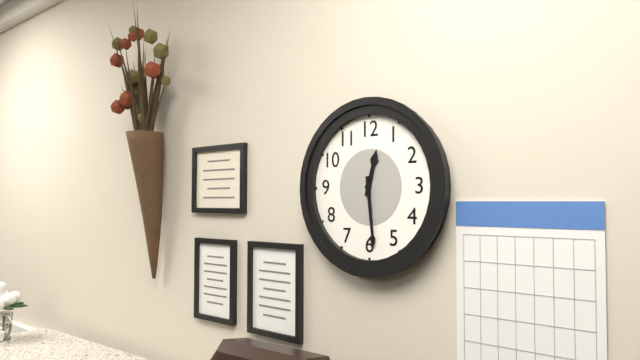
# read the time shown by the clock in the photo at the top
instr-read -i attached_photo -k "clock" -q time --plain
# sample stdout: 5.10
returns 12.29
